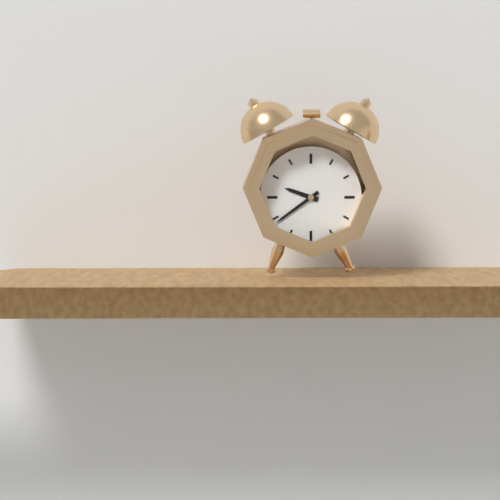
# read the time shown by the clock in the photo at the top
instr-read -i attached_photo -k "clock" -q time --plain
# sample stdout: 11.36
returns 9.39
